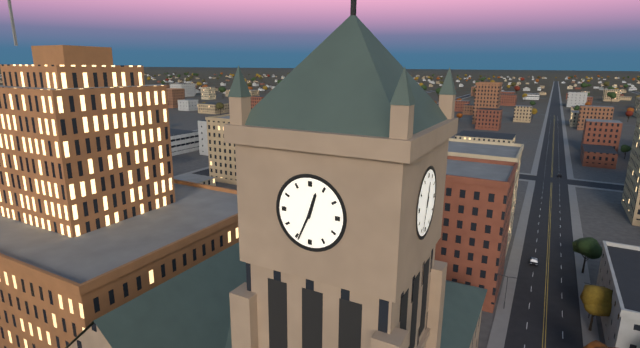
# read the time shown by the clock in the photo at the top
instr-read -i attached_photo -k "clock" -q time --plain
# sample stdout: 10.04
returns 12.34
